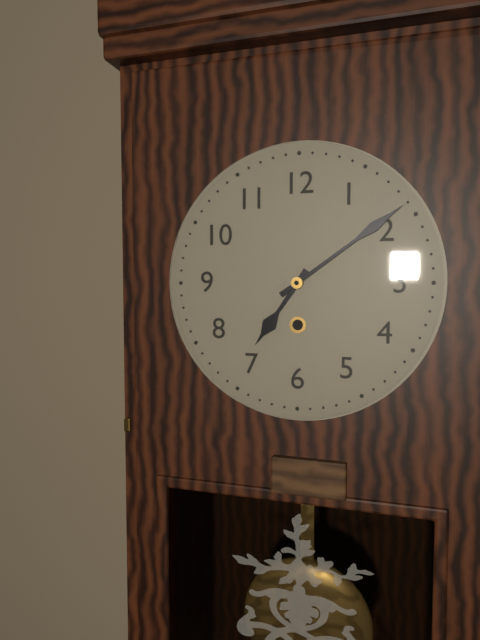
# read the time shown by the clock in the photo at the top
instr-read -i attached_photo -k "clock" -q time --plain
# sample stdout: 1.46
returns 7.09
